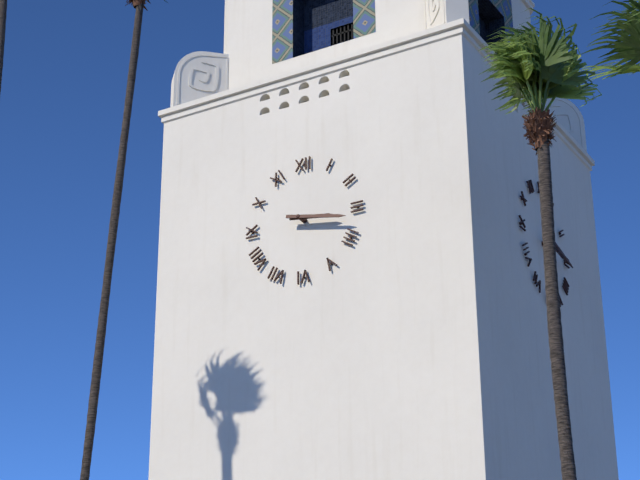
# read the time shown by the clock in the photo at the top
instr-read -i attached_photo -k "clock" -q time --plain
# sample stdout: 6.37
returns 3.17
